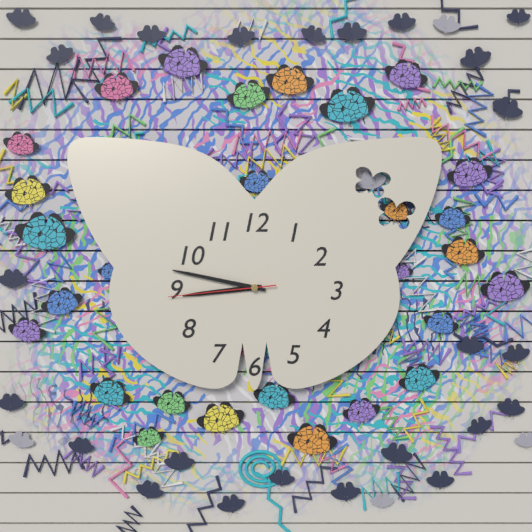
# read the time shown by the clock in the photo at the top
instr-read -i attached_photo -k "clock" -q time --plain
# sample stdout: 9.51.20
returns 8.47.44
